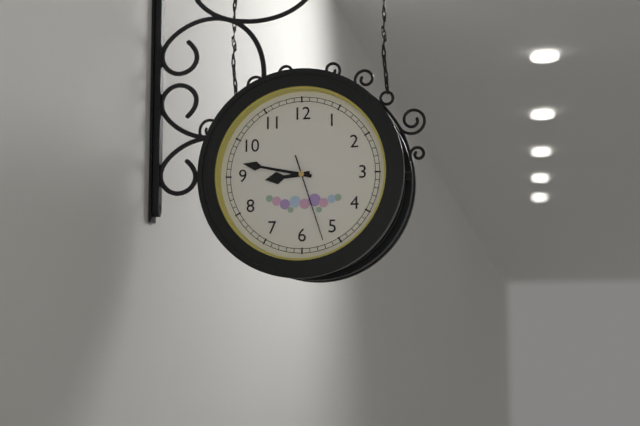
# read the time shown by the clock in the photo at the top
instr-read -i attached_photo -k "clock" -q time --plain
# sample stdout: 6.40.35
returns 8.47.27
